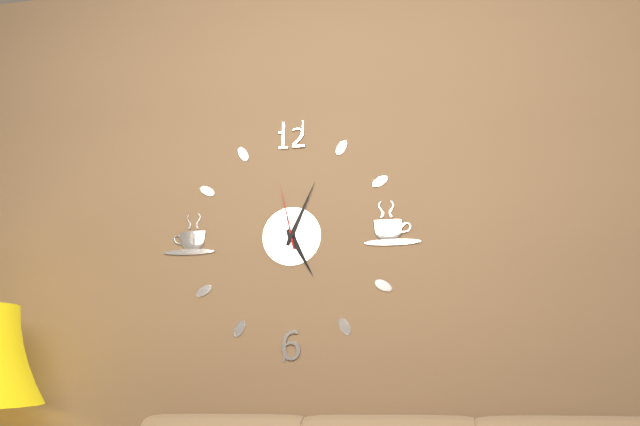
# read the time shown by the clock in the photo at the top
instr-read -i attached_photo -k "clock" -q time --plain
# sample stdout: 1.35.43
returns 5.04.58
